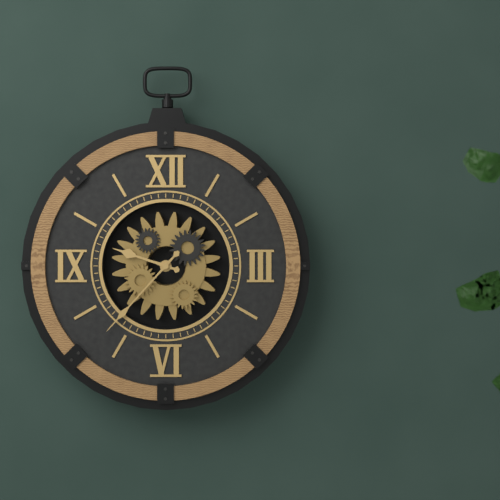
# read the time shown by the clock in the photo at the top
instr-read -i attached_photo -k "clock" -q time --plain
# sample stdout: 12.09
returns 9.37
